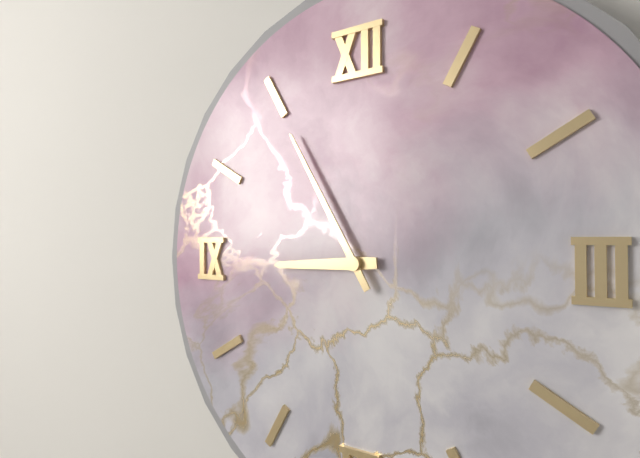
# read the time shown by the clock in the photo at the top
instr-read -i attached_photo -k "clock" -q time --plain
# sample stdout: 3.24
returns 8.55
